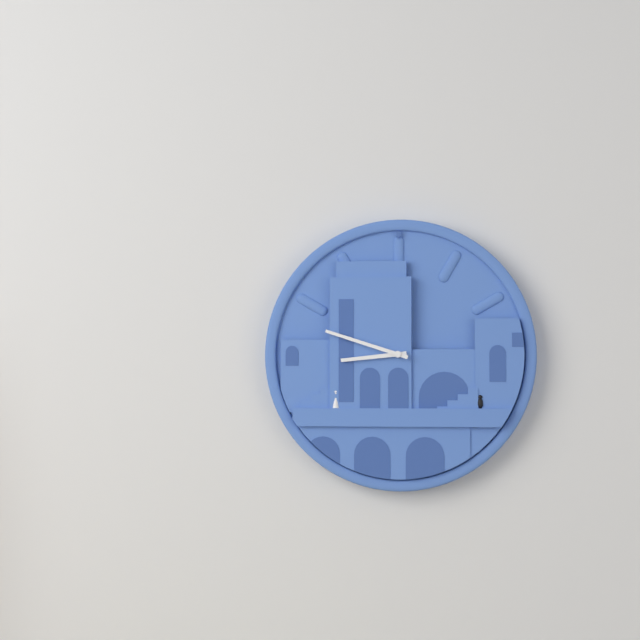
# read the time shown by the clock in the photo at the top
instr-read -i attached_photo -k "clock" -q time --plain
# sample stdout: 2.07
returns 8.48
